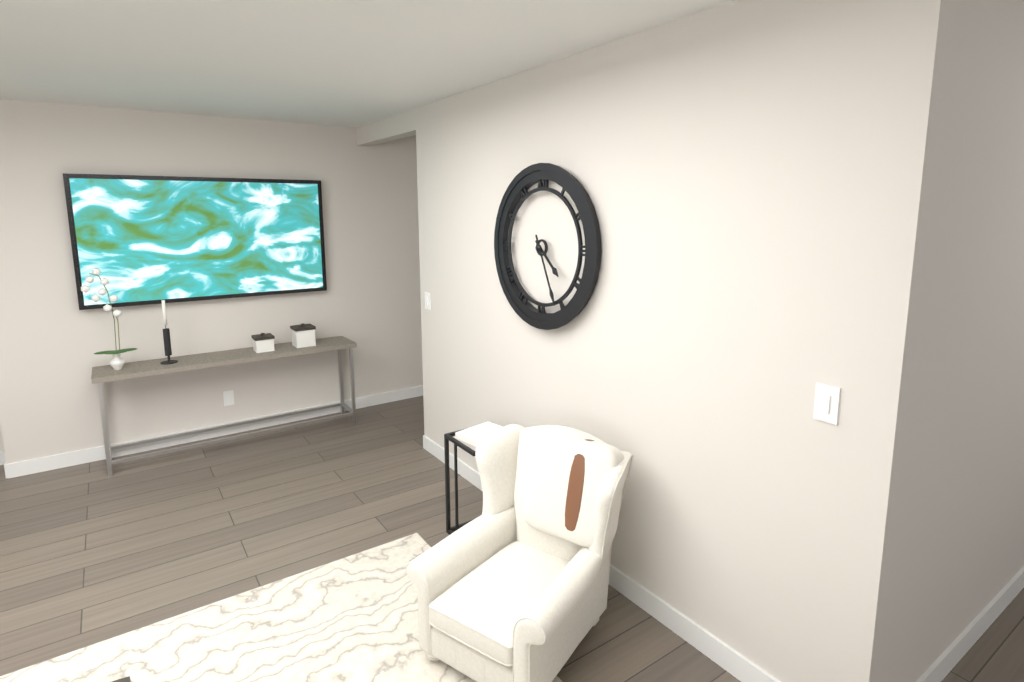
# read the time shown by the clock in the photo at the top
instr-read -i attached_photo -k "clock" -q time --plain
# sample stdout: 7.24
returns 4.26
